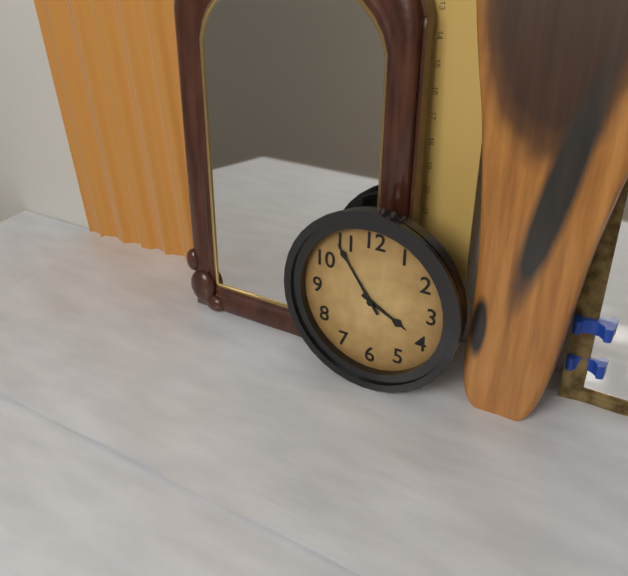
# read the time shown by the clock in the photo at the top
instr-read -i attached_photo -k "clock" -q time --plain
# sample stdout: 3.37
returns 3.54
